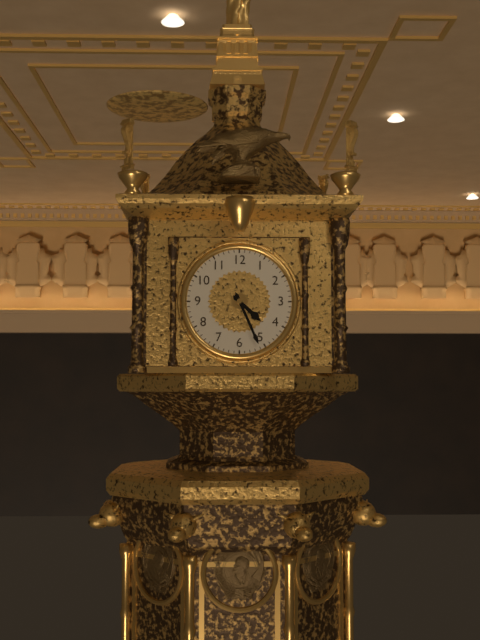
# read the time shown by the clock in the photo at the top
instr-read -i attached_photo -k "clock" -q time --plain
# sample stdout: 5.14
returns 4.26
